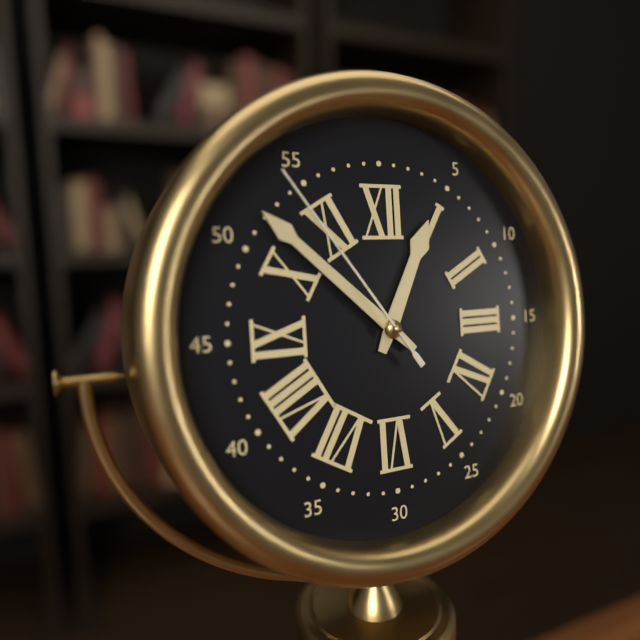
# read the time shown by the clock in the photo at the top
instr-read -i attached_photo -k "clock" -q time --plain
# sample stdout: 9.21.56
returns 12.52.54
